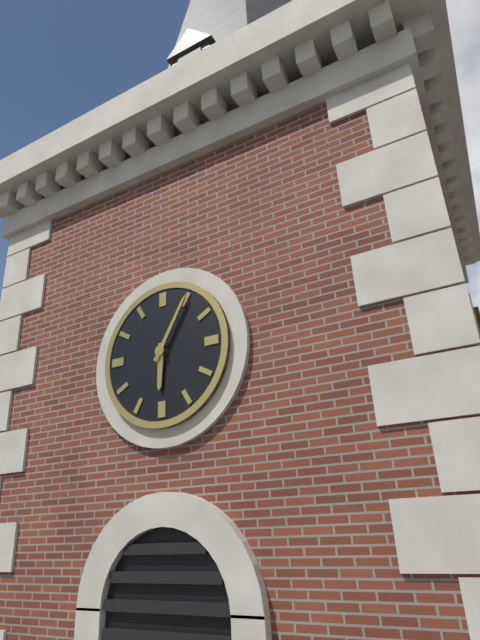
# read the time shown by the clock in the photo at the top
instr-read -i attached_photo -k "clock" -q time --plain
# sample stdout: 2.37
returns 6.05
